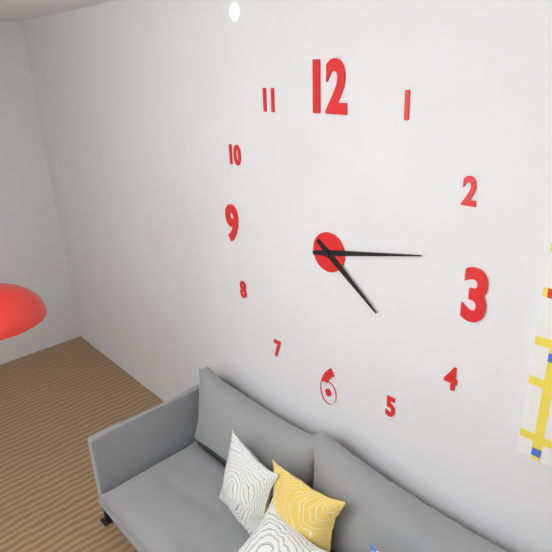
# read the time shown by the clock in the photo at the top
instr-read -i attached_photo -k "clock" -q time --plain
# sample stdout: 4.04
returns 4.13
